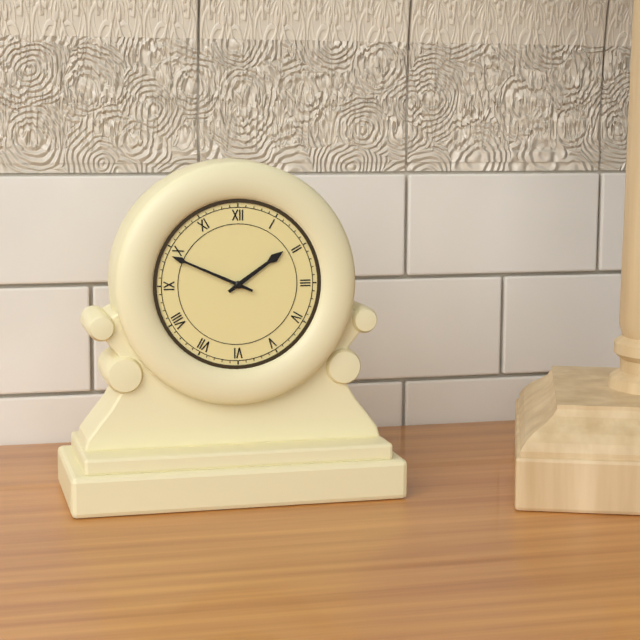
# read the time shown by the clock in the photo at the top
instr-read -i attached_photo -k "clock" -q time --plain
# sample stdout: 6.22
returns 1.49
